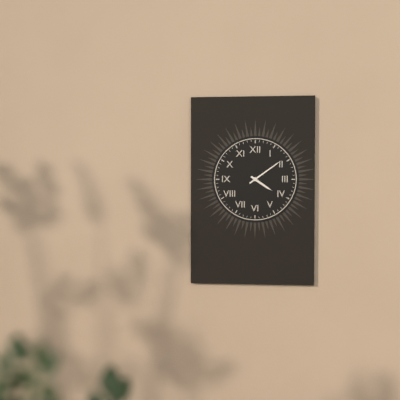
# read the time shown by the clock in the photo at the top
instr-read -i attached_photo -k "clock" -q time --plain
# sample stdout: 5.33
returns 4.09
